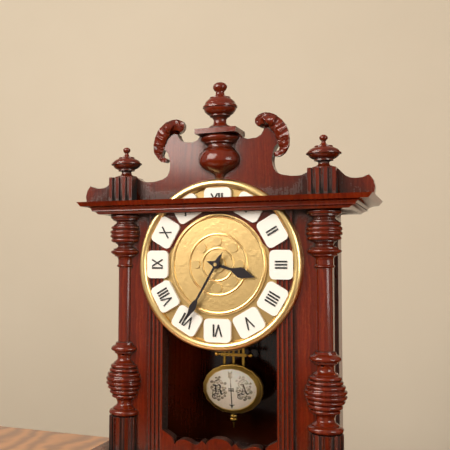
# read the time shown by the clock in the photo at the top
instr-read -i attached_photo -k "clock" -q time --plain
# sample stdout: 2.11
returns 3.35
